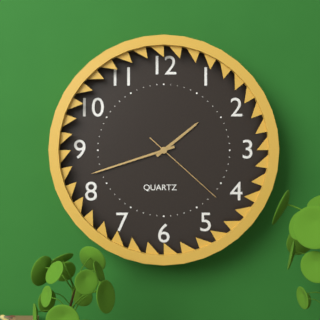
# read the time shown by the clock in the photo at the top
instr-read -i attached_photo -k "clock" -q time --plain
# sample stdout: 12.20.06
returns 1.42.22
